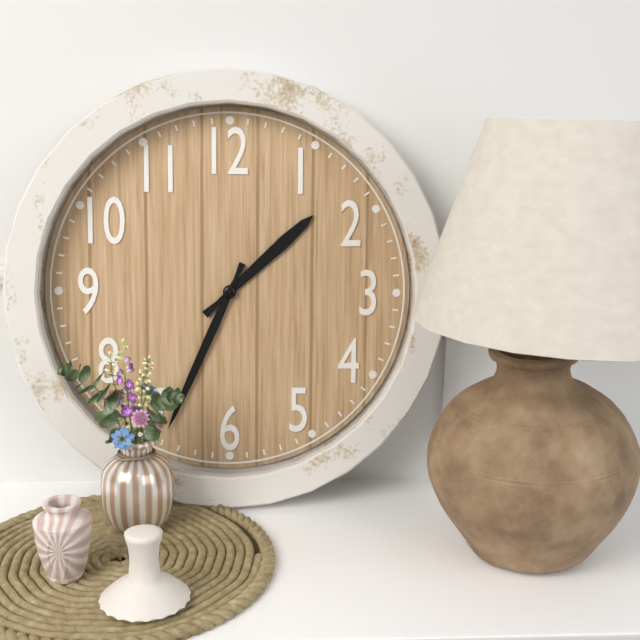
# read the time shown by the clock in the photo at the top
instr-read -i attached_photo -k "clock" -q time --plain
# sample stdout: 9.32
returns 1.34
